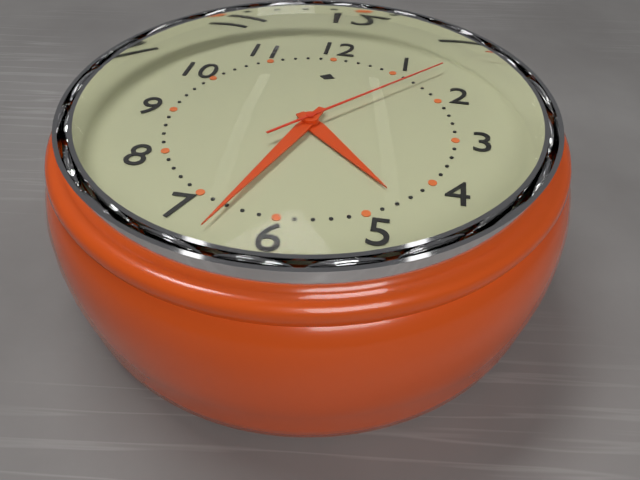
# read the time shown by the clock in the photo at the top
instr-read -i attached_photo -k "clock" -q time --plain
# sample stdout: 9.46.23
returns 4.33.07
